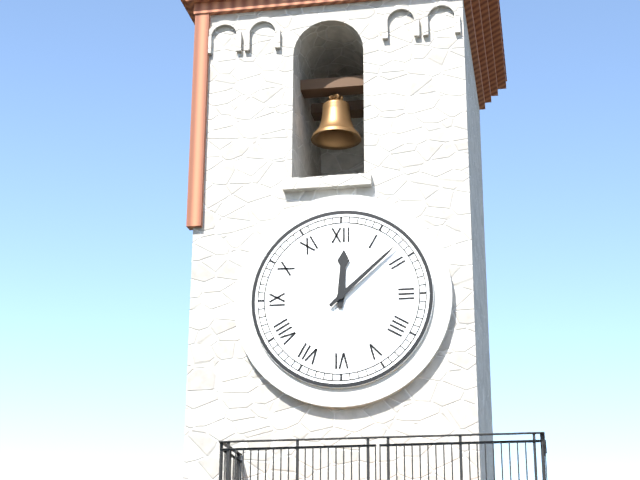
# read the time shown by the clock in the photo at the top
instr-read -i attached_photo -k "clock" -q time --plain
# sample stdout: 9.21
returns 12.08
